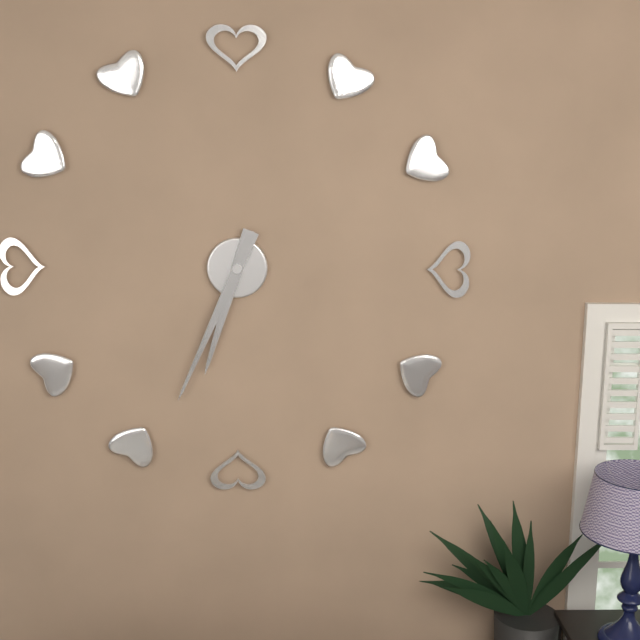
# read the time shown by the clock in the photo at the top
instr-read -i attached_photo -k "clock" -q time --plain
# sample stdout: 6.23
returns 6.34
